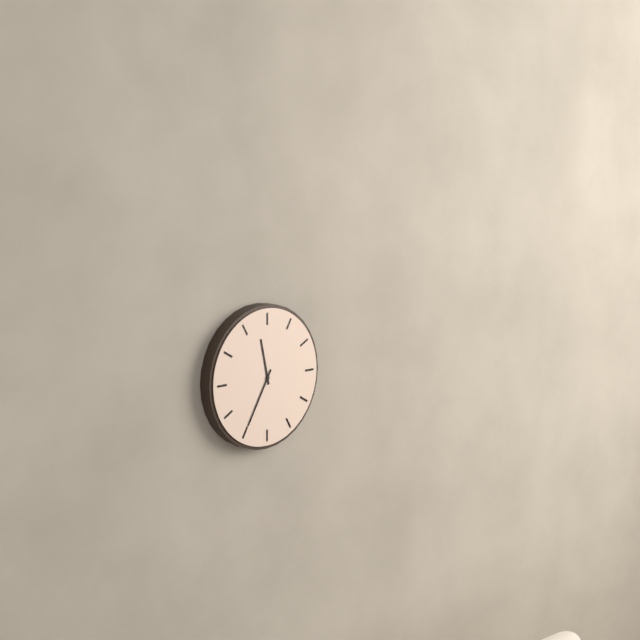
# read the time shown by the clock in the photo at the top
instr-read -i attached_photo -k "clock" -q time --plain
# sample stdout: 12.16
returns 11.35
